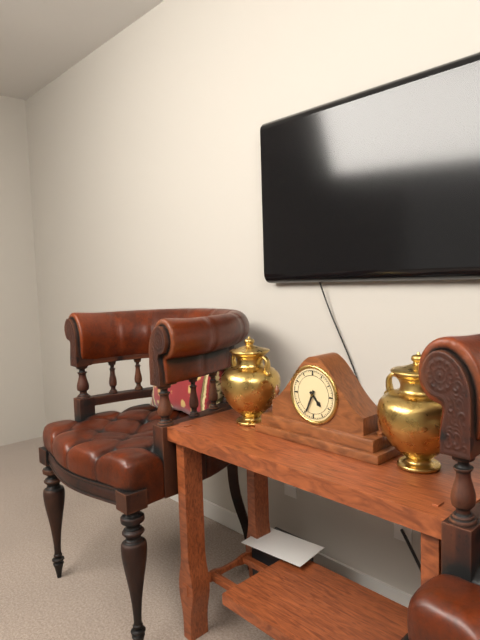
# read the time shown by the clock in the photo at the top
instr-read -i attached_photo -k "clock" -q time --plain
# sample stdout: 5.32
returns 4.34
